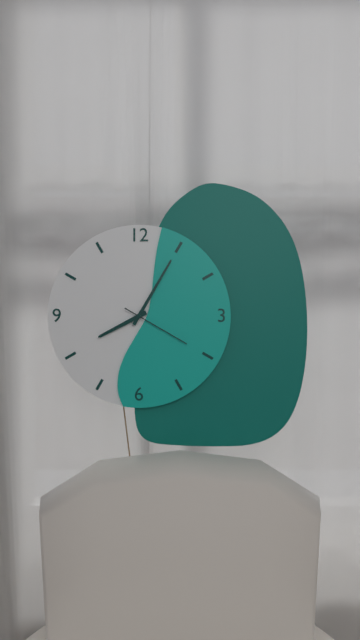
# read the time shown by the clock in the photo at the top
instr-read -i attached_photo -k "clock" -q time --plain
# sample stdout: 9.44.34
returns 8.05.20
